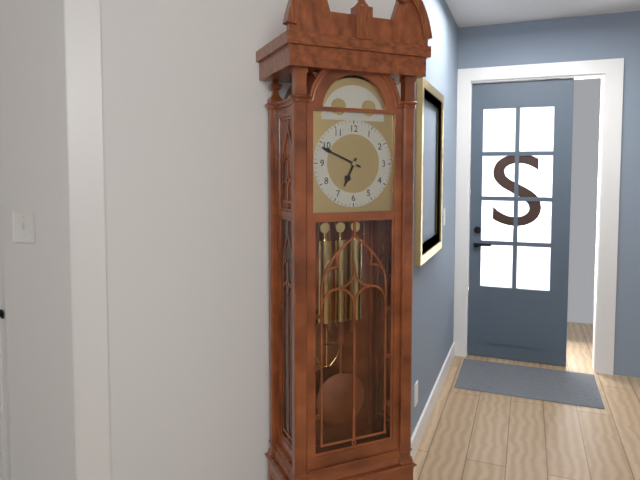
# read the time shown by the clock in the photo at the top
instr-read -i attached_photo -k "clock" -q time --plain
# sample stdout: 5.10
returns 6.49
